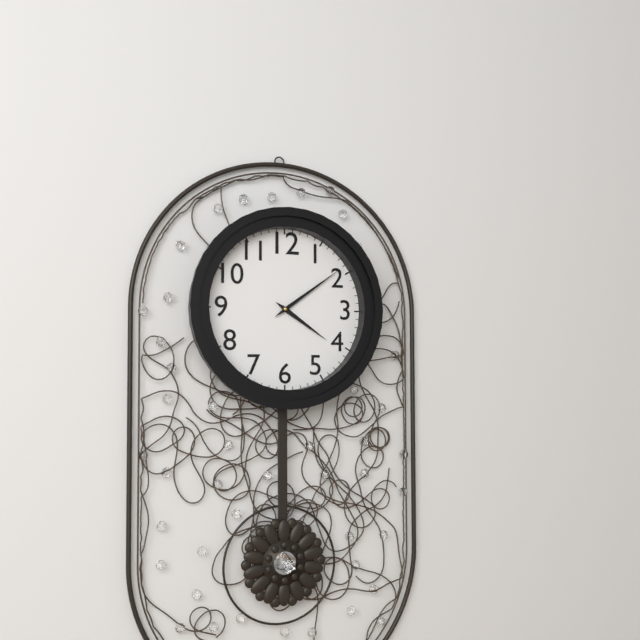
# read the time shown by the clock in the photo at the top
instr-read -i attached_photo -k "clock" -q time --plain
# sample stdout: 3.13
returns 4.09
